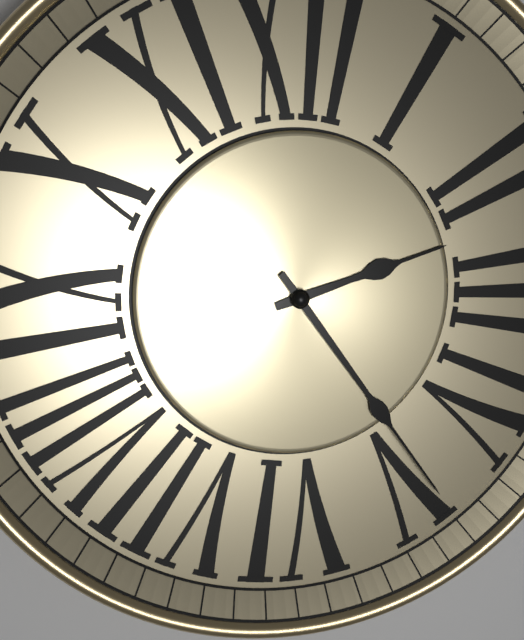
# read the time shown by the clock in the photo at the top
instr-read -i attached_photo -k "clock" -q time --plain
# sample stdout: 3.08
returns 2.24
